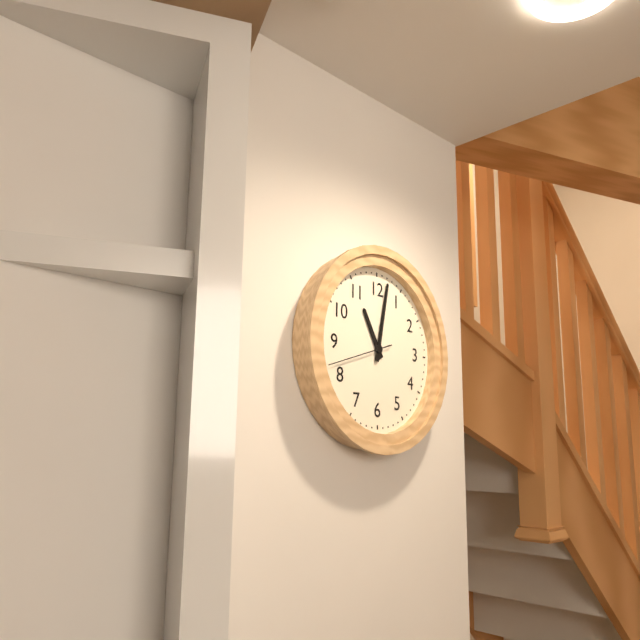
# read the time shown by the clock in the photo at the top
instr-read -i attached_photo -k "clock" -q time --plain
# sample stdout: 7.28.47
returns 11.02.42
